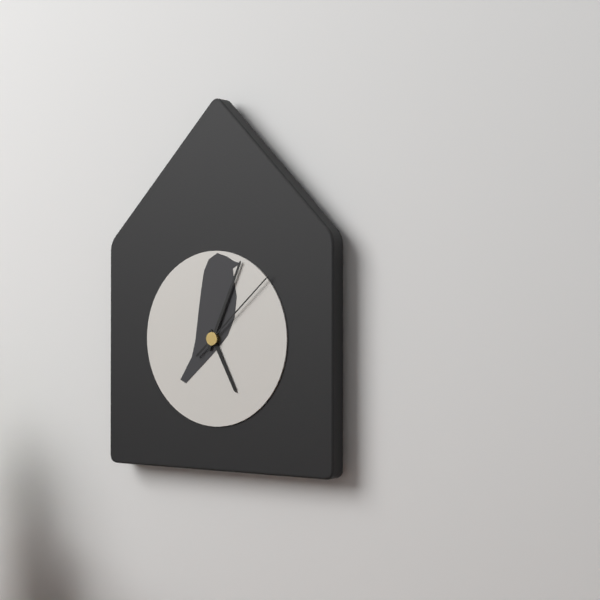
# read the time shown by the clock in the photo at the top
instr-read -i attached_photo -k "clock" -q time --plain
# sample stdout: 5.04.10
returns 5.04.08
